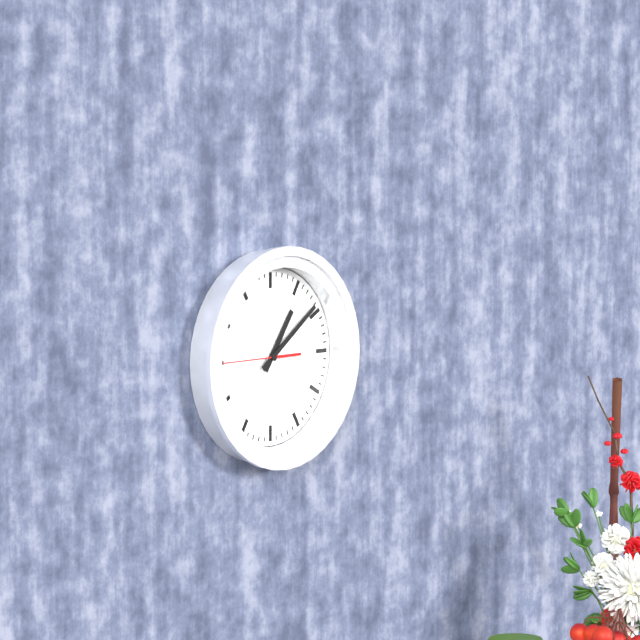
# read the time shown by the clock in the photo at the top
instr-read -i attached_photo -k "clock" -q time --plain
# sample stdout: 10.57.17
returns 1.09.45
